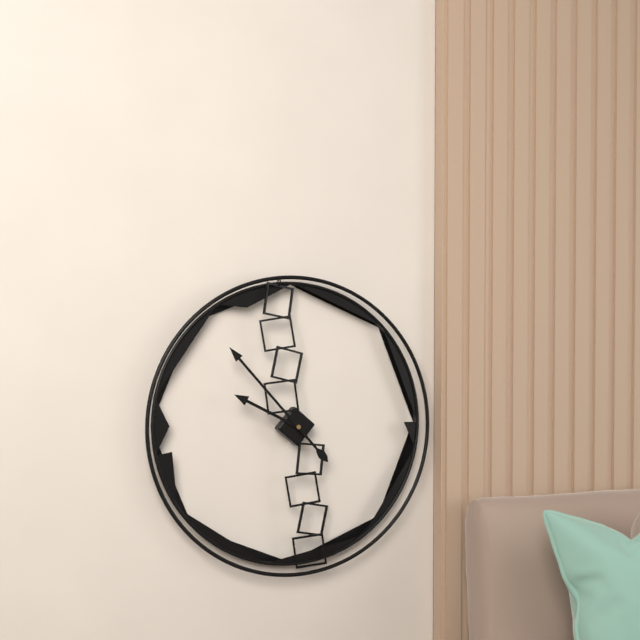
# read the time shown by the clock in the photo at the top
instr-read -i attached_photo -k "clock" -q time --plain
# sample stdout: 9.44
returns 9.53
